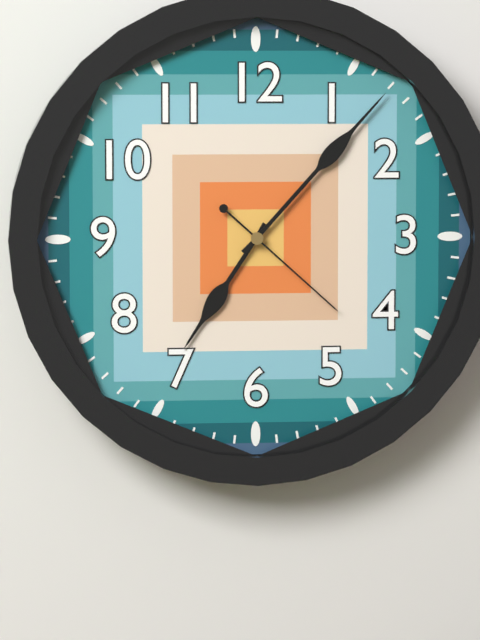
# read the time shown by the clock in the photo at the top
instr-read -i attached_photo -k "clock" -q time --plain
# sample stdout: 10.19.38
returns 7.07.22
